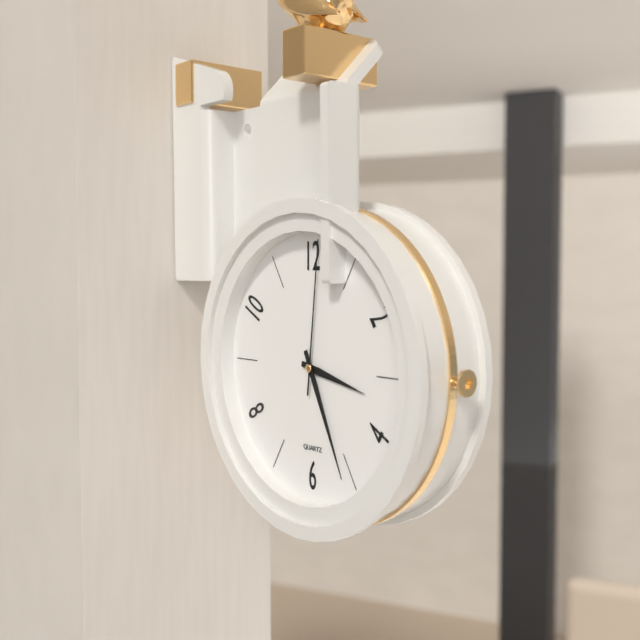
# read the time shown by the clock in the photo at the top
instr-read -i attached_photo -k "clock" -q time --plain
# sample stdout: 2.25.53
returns 3.26.01
